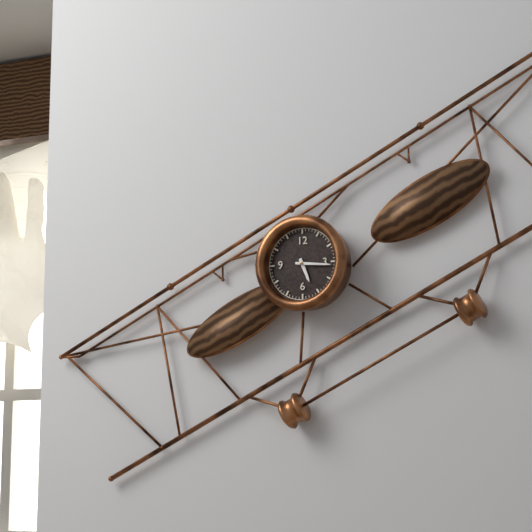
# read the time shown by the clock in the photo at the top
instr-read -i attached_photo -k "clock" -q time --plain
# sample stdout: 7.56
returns 5.16
